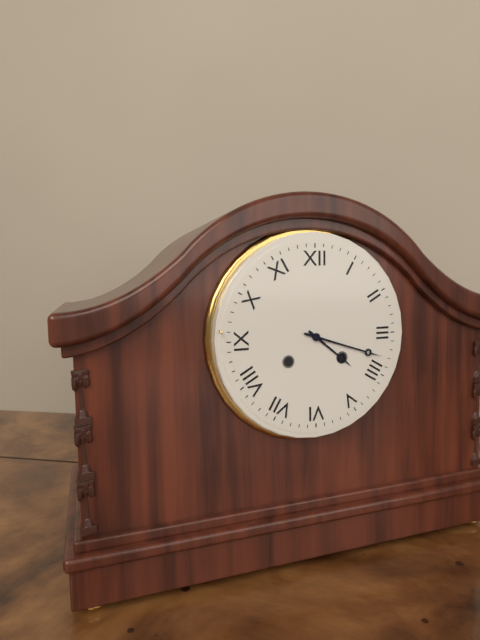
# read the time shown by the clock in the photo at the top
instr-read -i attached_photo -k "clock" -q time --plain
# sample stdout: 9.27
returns 4.18
